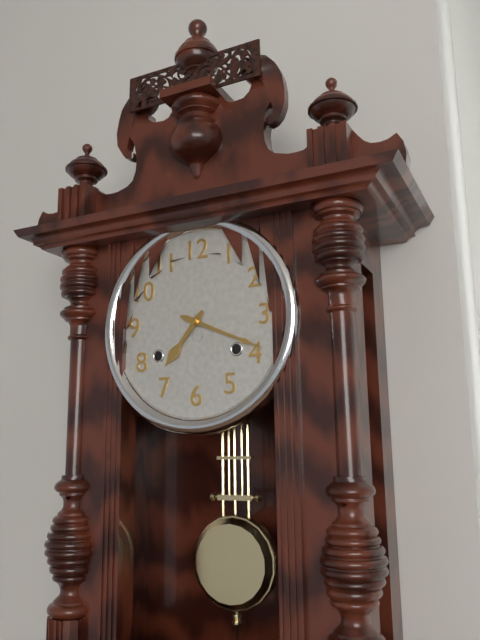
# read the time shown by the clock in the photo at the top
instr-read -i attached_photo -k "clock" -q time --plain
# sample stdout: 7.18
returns 7.19
